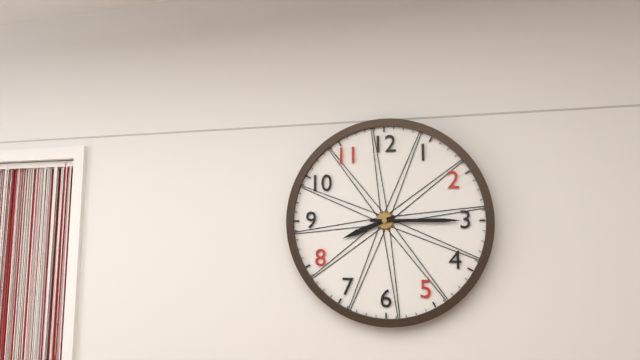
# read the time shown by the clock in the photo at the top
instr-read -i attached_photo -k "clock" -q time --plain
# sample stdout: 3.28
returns 8.15
